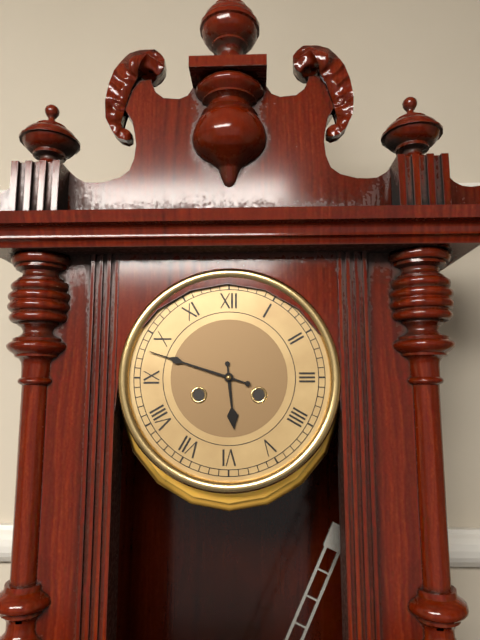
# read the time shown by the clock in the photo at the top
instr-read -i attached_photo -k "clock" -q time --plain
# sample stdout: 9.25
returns 5.48
